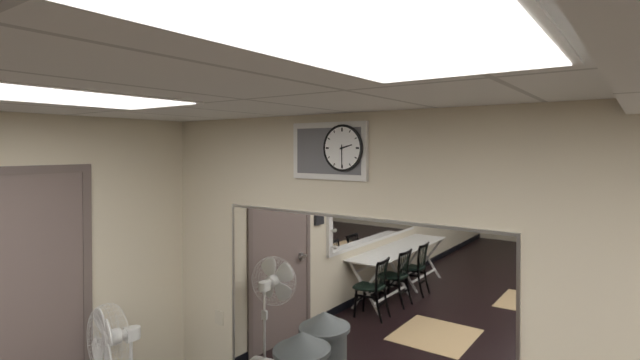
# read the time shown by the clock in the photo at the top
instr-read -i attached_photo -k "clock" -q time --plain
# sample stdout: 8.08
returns 2.30
